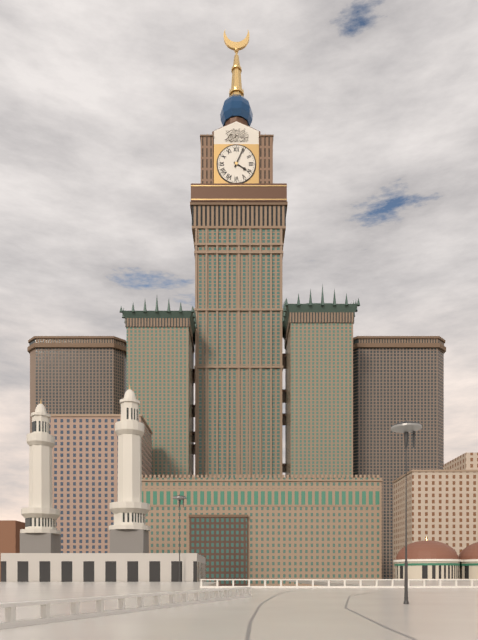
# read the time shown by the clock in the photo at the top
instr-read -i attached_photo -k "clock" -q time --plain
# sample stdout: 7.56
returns 4.04
